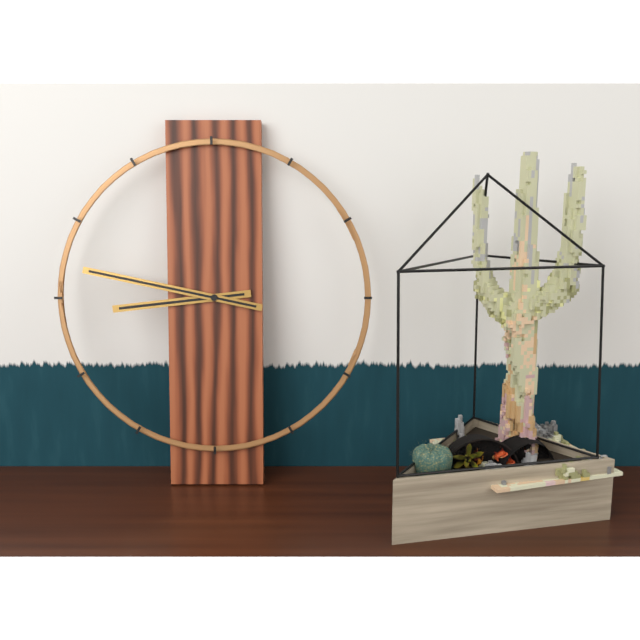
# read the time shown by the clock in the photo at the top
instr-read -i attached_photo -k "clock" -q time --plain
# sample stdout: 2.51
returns 8.47
